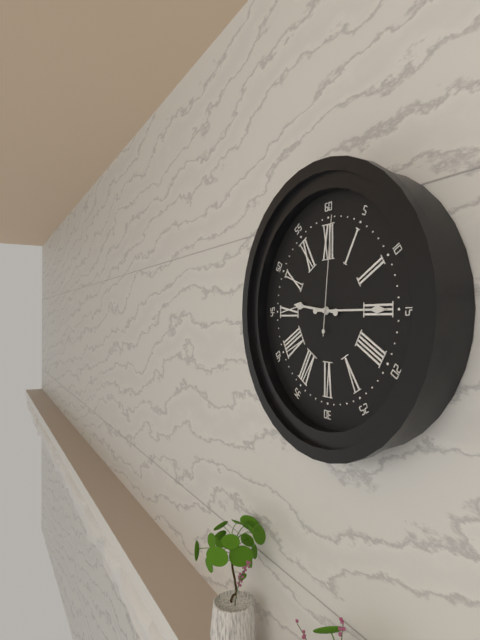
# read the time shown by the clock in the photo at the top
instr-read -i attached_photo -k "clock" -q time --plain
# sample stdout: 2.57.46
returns 9.15.01
